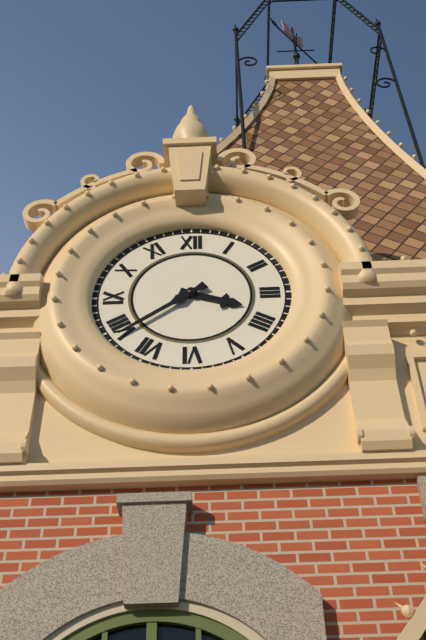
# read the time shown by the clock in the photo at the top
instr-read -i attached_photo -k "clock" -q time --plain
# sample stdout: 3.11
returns 3.39
